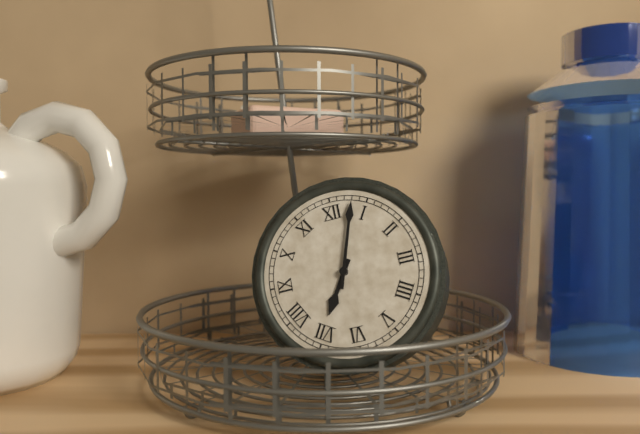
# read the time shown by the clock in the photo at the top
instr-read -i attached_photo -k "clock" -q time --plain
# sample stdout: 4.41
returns 7.03
